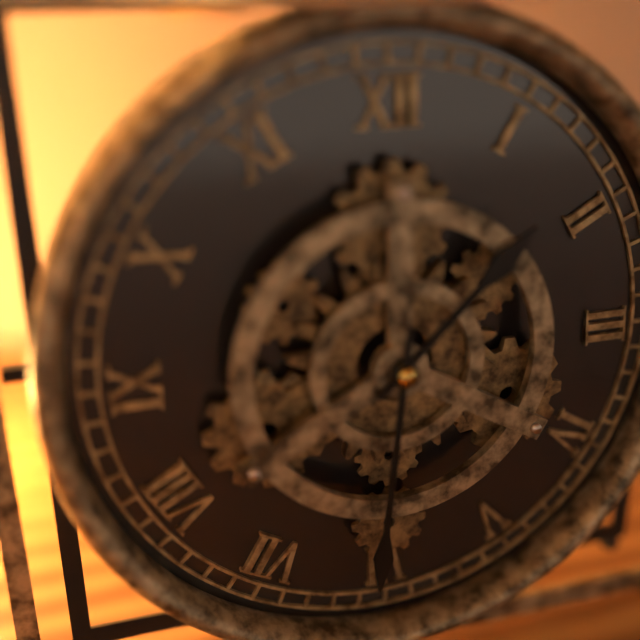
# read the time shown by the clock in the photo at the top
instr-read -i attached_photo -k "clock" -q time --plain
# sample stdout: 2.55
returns 1.31
